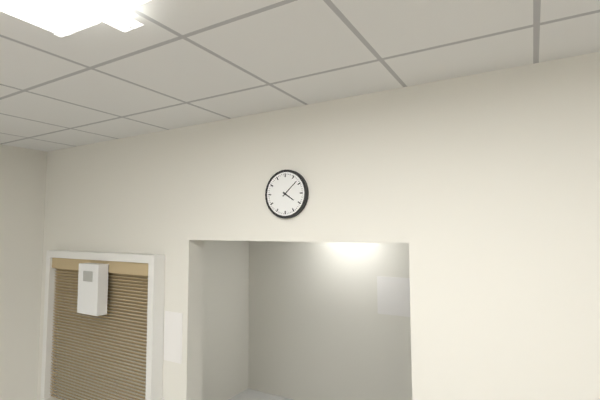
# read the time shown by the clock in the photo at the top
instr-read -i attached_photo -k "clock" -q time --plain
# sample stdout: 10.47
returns 4.08
